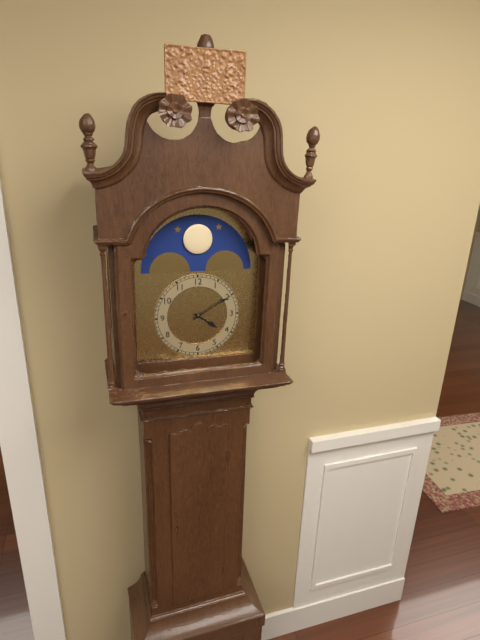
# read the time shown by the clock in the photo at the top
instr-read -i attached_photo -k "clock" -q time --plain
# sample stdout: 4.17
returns 4.10
